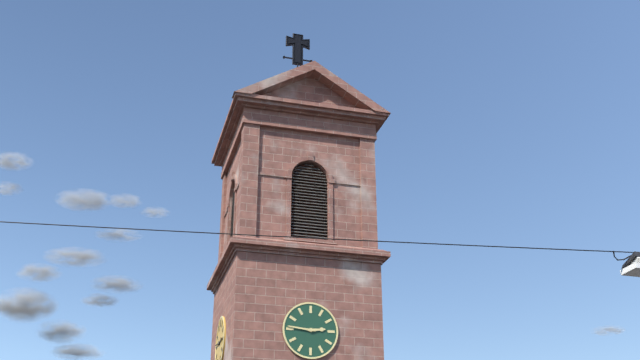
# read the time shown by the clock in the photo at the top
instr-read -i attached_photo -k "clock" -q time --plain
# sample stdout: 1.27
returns 2.46
